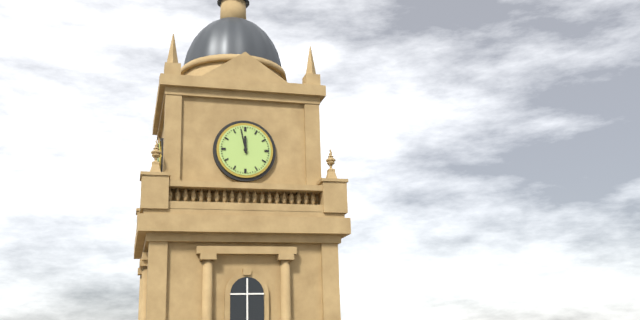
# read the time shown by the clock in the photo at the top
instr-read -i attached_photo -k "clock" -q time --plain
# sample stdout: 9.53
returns 11.58
